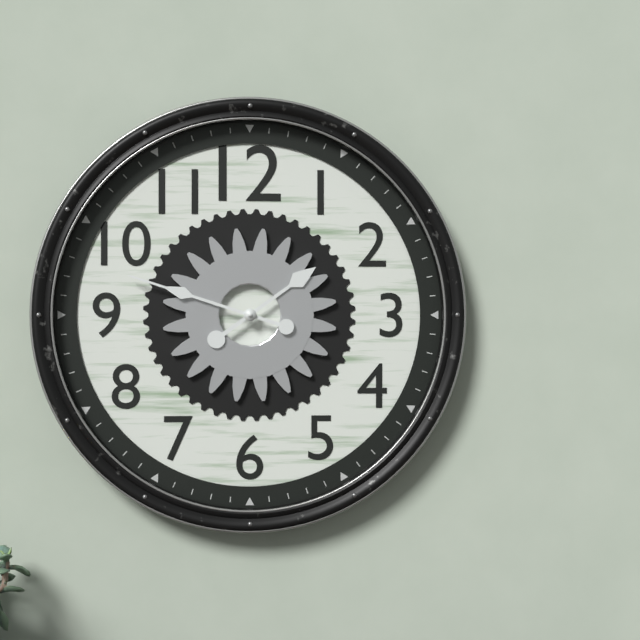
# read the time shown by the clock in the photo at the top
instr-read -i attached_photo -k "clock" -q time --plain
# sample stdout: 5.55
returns 1.48
